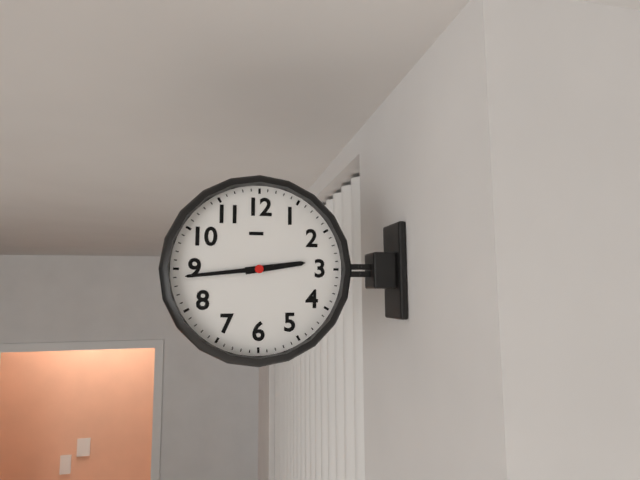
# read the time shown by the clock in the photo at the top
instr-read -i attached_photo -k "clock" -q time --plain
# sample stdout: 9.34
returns 2.44
